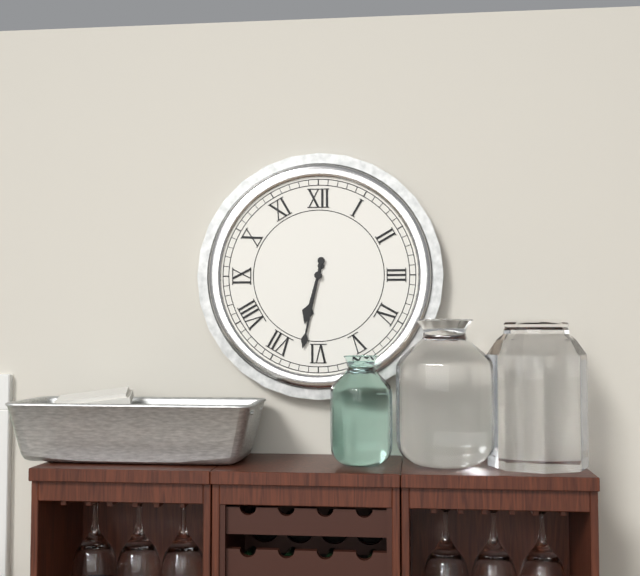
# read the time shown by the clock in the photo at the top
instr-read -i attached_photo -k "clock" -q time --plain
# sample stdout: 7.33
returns 6.32
